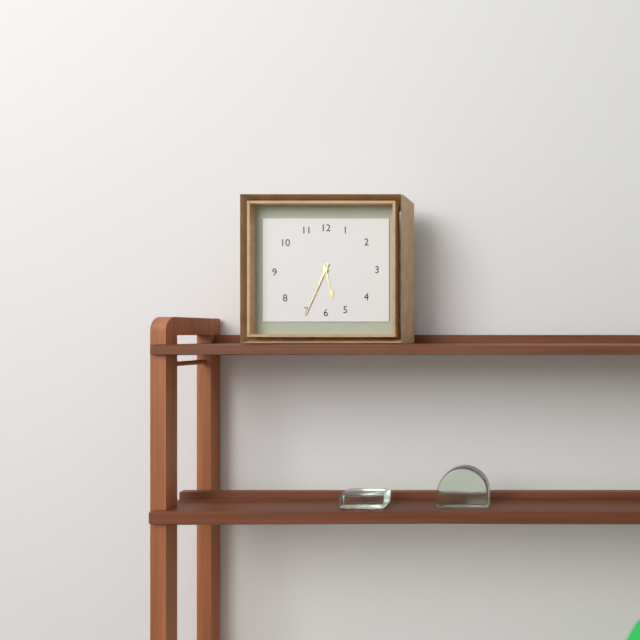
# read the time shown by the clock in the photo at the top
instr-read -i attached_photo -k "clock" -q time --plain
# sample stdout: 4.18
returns 5.34
